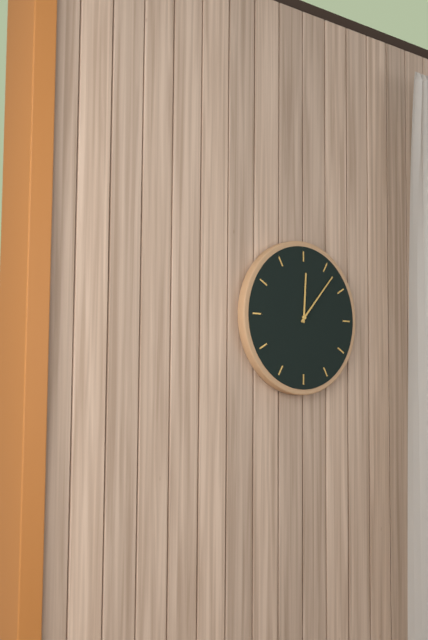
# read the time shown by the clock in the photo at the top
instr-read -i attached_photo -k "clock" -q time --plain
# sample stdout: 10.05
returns 12.07
